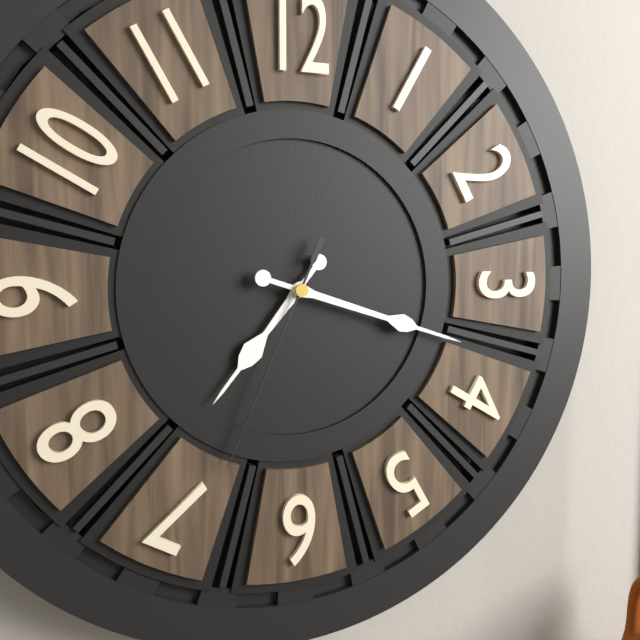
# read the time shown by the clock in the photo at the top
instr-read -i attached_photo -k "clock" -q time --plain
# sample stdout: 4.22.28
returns 7.18.34
